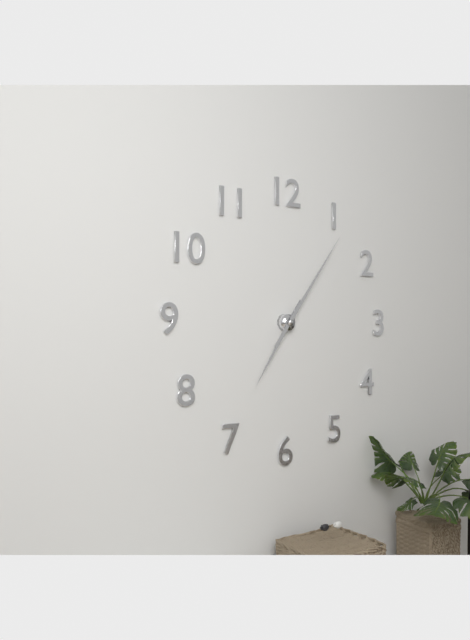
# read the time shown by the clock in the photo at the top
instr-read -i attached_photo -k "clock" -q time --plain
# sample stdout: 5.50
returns 7.06
